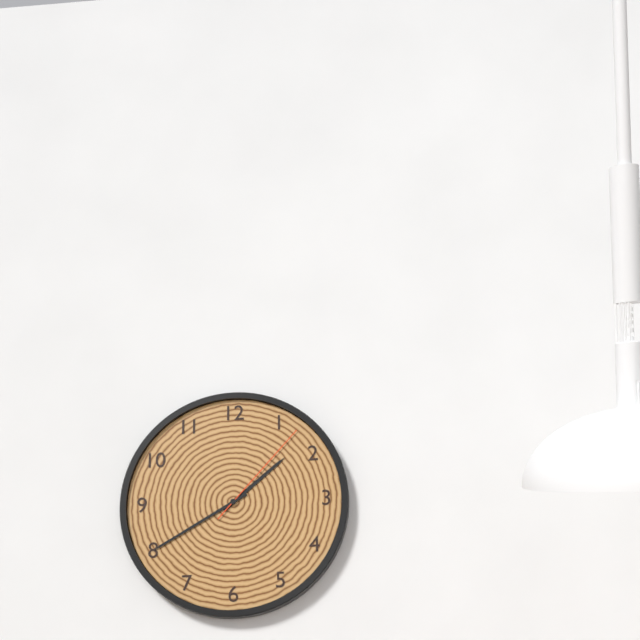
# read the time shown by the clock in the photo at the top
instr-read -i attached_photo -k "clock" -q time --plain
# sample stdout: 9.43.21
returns 1.40.07
